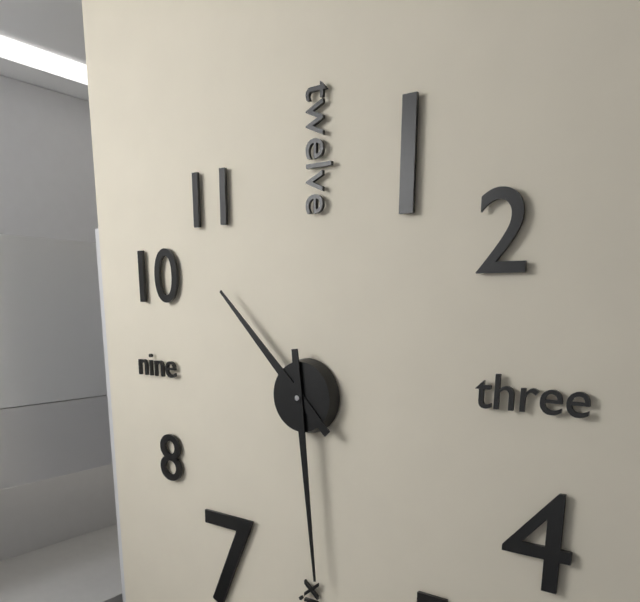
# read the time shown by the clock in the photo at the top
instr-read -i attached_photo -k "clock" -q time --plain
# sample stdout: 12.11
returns 10.29
